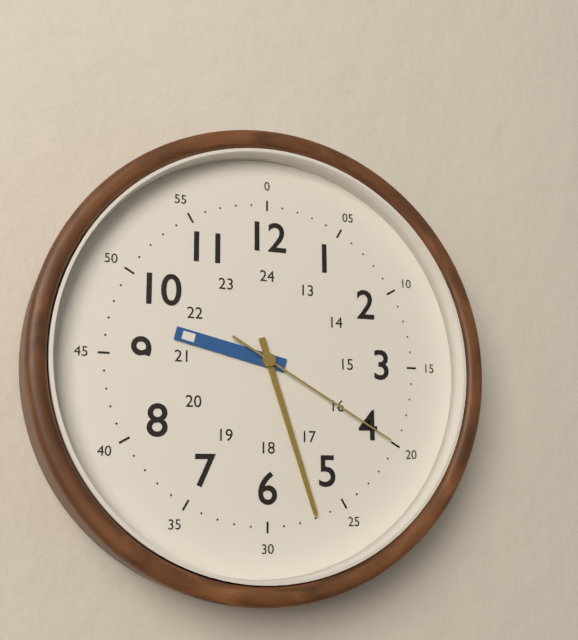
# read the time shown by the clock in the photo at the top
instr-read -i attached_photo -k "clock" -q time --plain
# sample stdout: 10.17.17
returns 9.27.20
